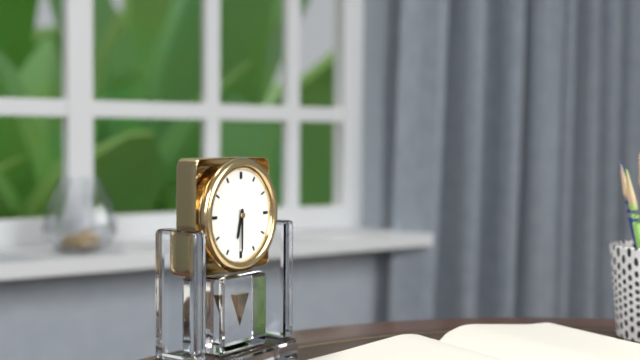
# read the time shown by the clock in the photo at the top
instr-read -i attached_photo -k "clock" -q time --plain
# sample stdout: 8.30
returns 6.30
